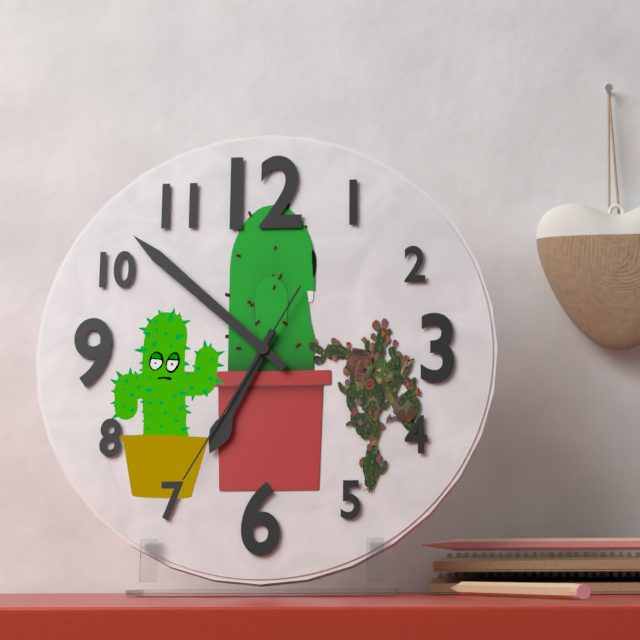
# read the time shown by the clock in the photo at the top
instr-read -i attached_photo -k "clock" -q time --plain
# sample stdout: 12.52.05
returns 6.52.35
